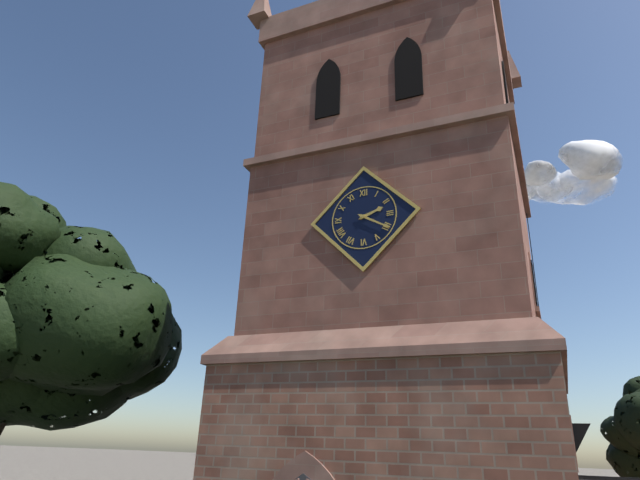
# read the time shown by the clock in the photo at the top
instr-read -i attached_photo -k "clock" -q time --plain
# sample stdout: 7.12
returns 2.20
